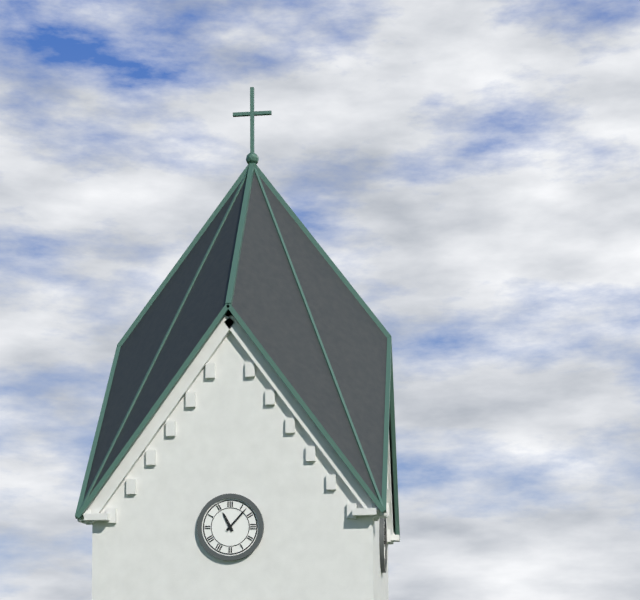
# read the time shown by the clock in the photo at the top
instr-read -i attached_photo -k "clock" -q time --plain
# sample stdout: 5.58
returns 11.07
